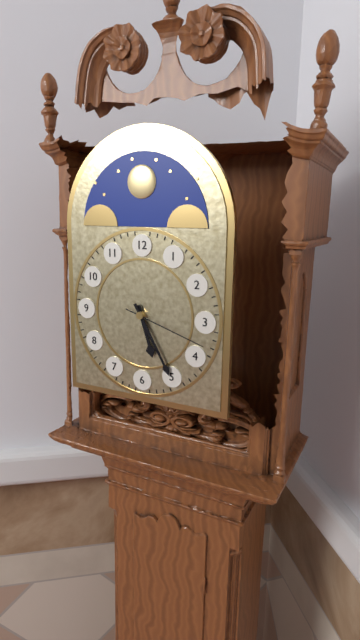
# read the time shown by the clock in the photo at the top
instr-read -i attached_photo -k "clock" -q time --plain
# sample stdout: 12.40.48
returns 5.25.18
